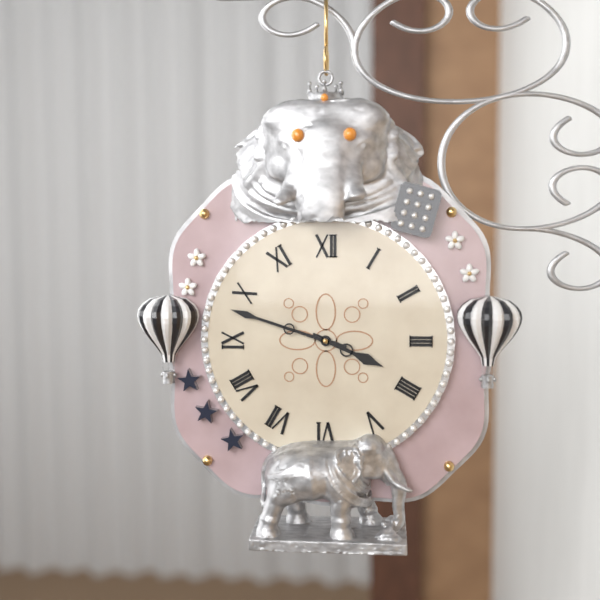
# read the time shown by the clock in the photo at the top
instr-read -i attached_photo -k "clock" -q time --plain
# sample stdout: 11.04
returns 3.48
